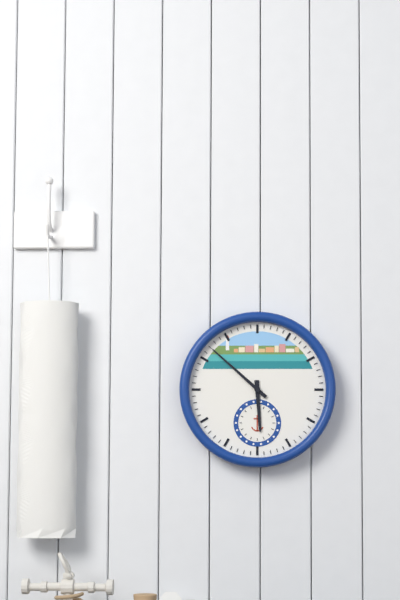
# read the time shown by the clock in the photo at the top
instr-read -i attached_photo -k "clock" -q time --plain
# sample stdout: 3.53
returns 5.52
